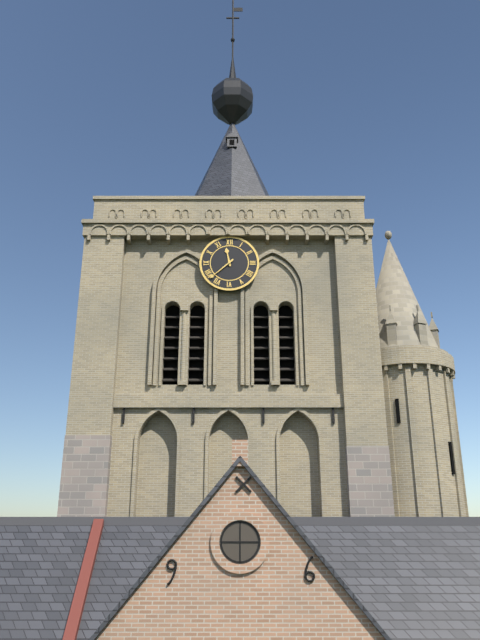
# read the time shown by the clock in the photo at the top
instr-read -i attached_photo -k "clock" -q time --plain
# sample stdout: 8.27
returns 11.38
